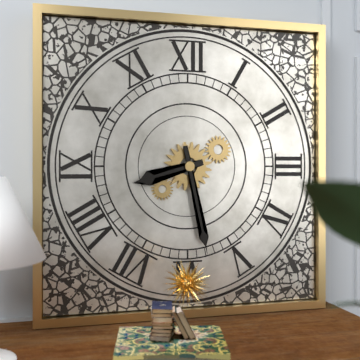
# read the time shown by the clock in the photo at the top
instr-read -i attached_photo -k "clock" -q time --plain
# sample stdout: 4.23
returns 8.28
